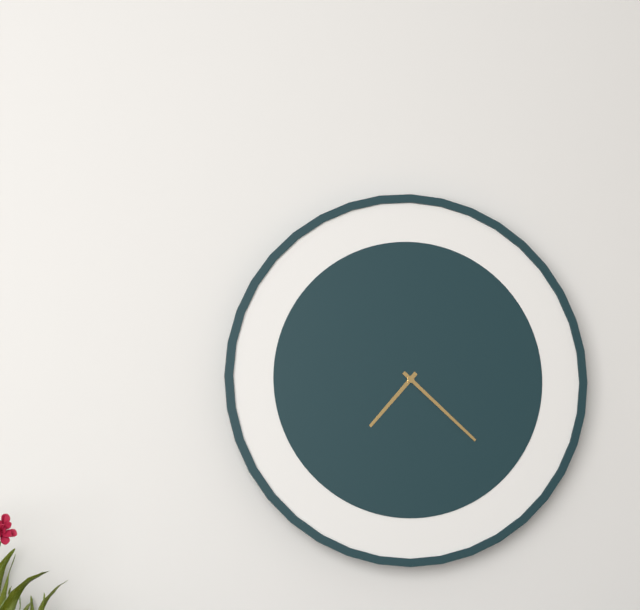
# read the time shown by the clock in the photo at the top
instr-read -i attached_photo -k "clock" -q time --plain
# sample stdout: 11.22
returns 7.22
